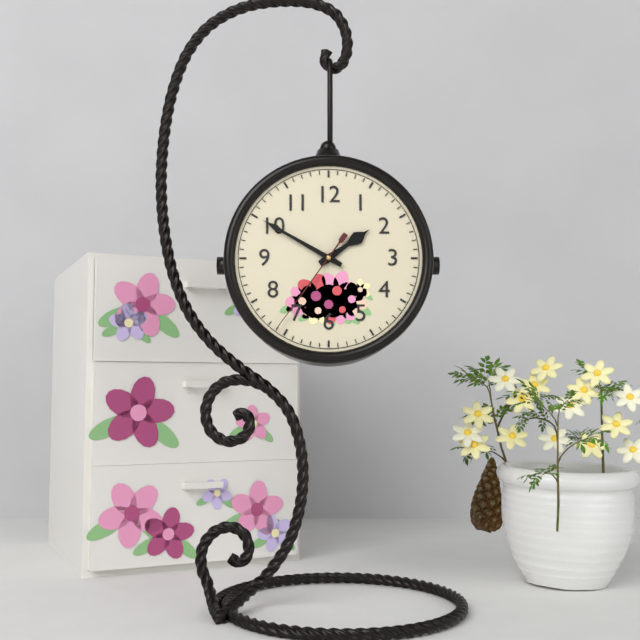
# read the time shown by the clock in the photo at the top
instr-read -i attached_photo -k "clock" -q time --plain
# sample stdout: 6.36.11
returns 1.50.36
